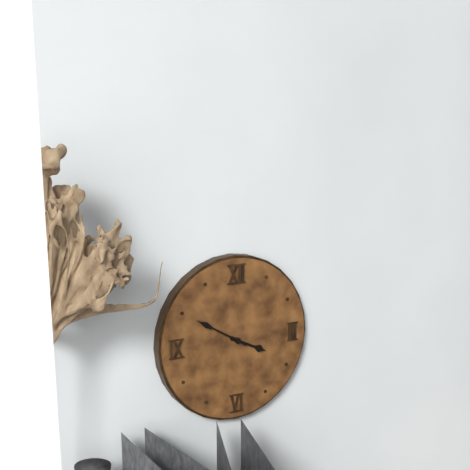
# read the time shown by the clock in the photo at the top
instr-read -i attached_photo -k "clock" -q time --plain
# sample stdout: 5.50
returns 3.50
